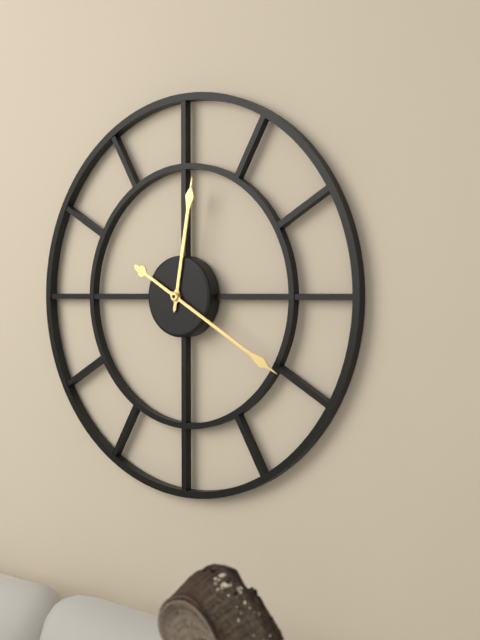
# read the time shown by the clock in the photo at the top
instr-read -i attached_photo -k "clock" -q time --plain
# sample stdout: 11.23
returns 12.20
